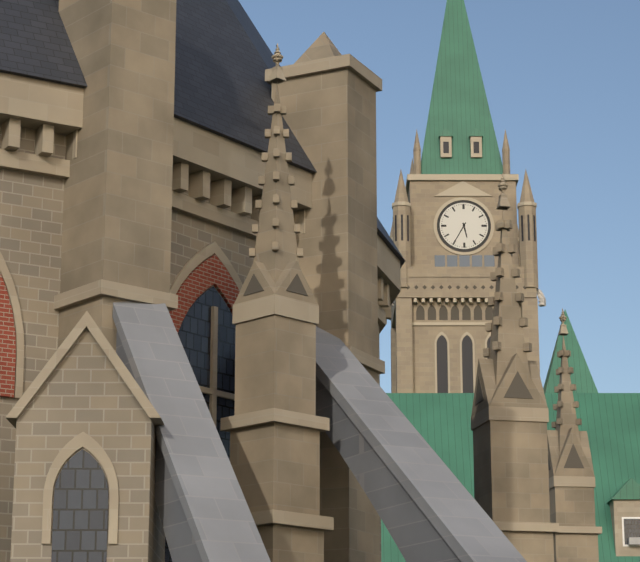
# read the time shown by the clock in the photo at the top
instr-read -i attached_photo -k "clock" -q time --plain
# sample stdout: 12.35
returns 5.35
